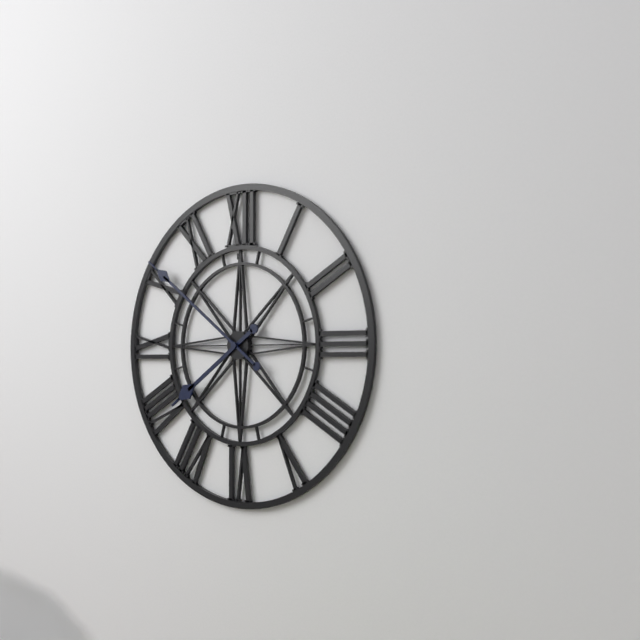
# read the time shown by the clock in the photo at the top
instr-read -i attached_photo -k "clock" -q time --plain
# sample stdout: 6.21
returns 7.51
